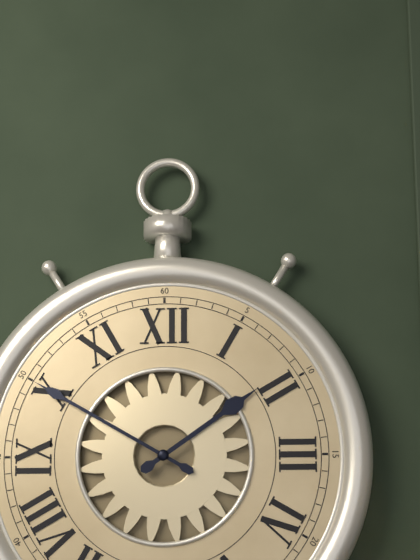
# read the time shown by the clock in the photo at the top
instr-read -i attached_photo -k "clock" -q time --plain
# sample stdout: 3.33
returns 1.50
